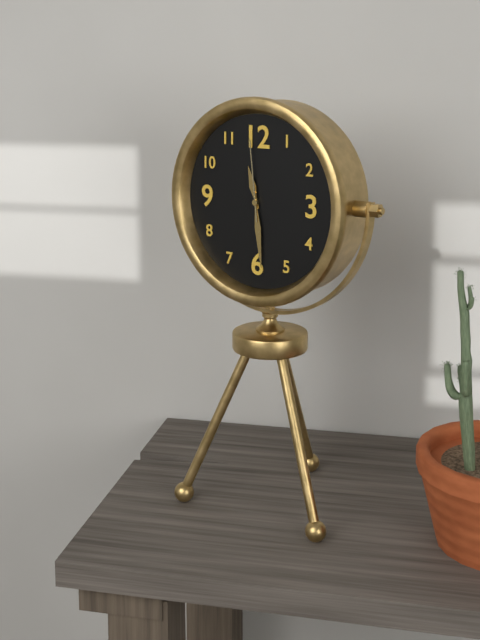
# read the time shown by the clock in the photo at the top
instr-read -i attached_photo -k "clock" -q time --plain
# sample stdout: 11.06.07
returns 11.29.59
